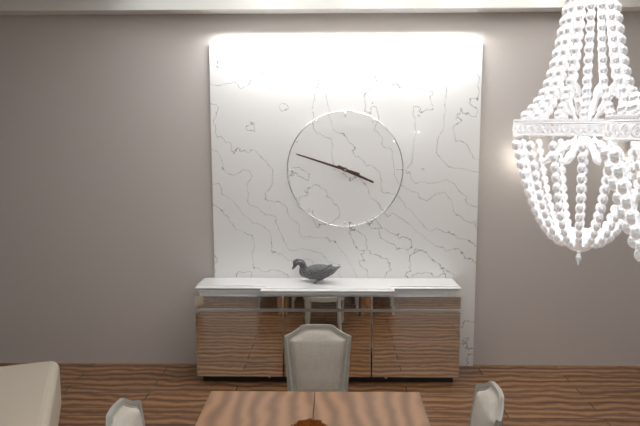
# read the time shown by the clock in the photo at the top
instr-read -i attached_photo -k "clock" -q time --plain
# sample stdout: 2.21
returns 3.48
